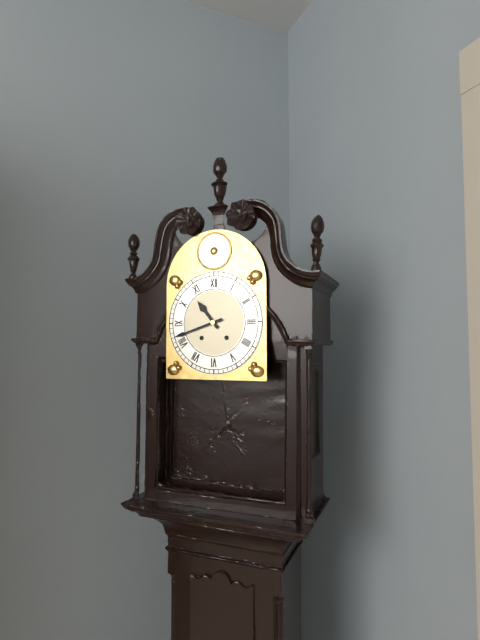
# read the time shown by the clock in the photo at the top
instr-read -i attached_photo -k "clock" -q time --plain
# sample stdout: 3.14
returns 10.42
